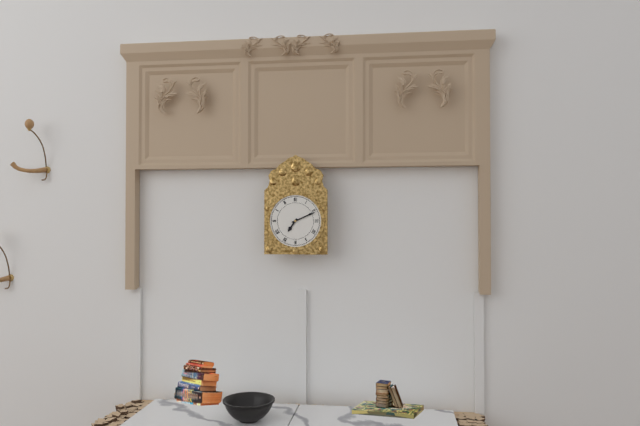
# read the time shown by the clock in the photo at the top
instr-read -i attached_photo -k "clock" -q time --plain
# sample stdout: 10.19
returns 7.11
